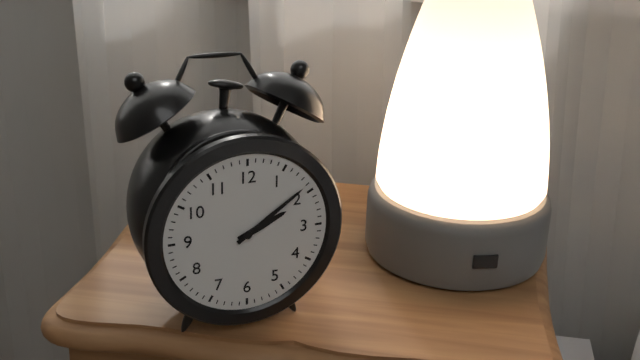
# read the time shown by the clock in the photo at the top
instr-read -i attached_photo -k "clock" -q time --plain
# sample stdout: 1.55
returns 2.09
